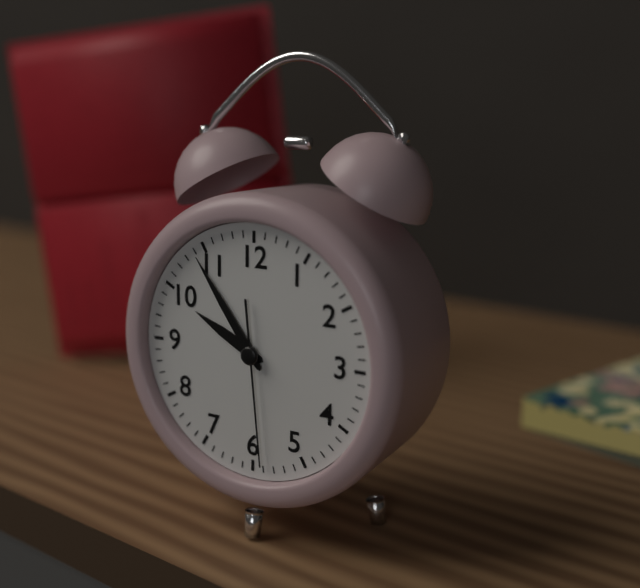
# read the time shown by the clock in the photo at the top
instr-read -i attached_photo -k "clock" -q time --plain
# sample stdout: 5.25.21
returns 9.54.29
